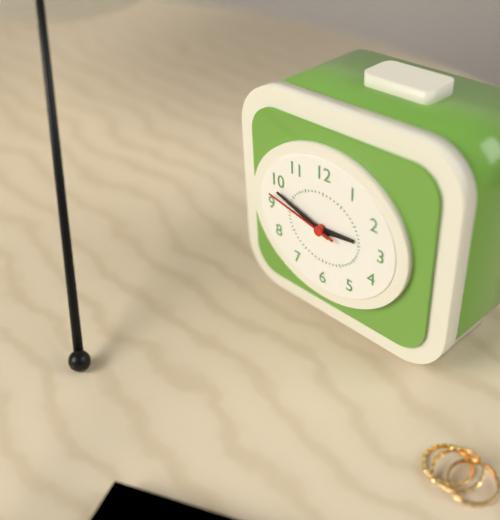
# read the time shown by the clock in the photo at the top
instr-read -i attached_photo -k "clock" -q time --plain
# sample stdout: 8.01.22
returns 2.48.47
